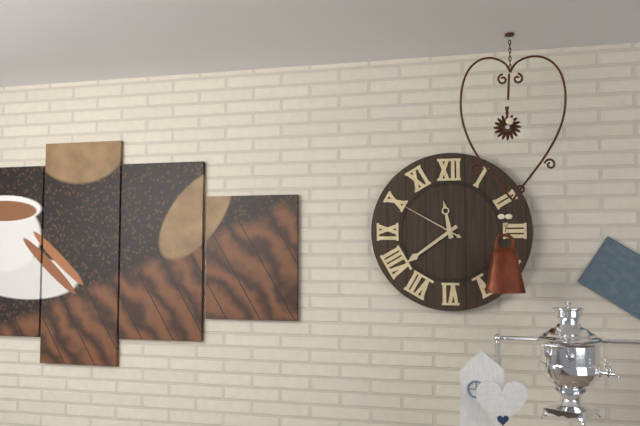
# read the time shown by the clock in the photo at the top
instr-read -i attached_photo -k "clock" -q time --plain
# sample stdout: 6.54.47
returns 11.39.50
